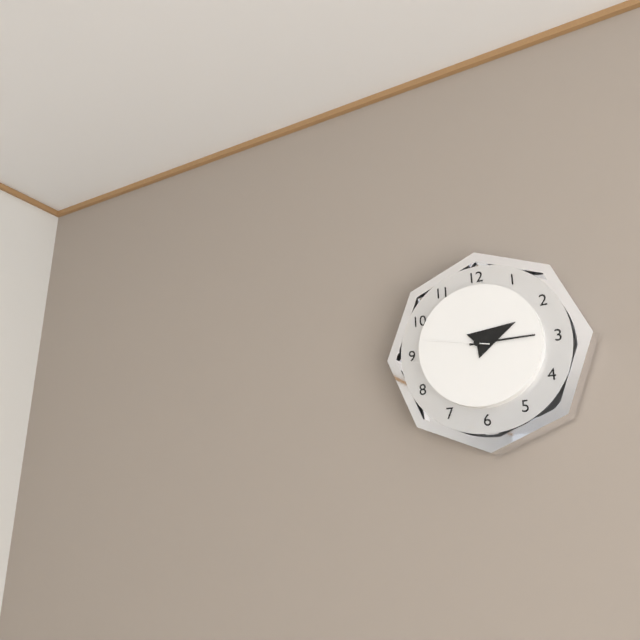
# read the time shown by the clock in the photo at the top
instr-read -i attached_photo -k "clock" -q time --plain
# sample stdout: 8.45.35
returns 2.15.47
